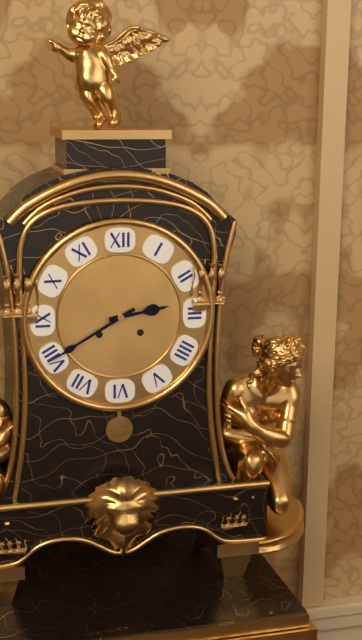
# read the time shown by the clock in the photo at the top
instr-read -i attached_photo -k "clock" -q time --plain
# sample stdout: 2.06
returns 2.40
